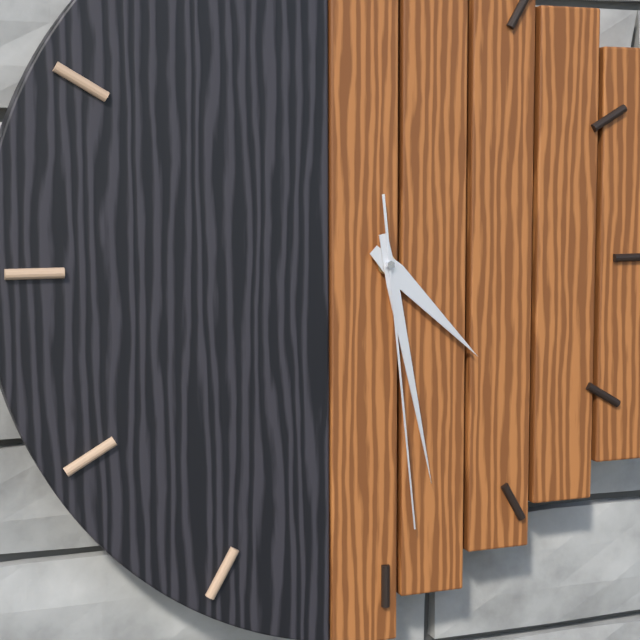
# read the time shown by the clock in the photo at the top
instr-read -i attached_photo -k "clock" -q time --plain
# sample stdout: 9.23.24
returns 4.28.29
